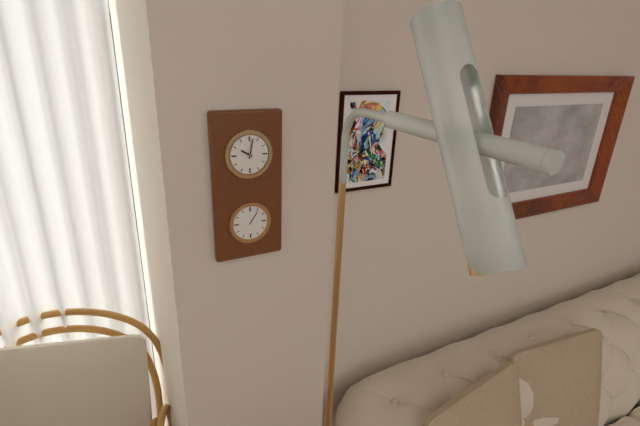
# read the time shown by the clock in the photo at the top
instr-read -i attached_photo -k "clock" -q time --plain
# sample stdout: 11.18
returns 10.02
